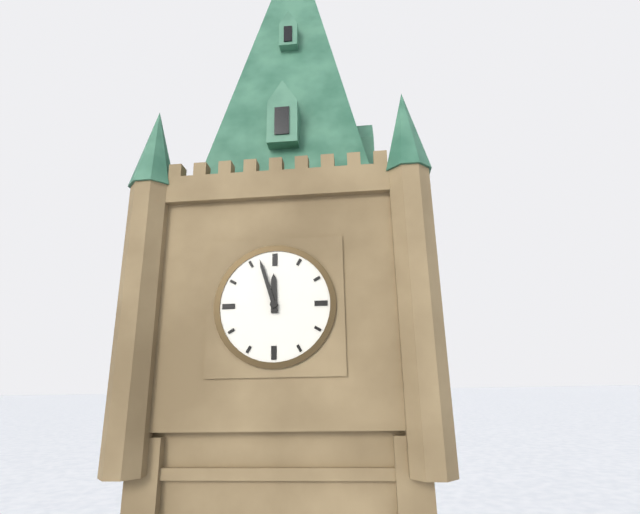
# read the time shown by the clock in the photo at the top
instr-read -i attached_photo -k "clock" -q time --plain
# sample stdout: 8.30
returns 11.57
